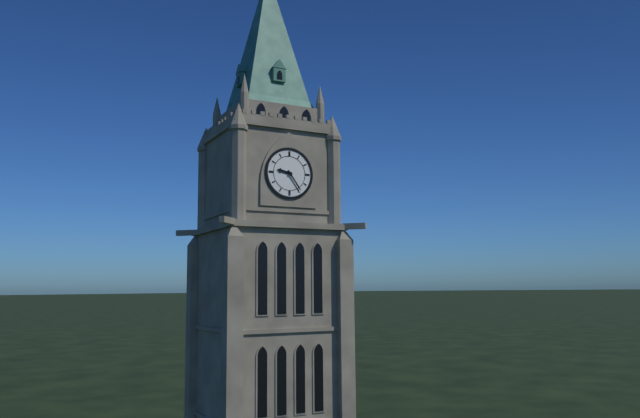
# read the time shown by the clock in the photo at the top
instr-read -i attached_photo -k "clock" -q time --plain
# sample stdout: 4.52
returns 9.24
